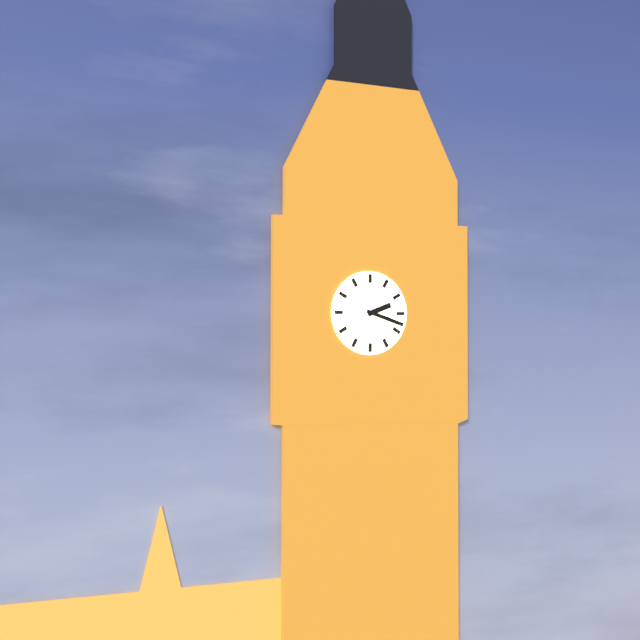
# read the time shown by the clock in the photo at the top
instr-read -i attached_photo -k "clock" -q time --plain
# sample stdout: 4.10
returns 2.18
